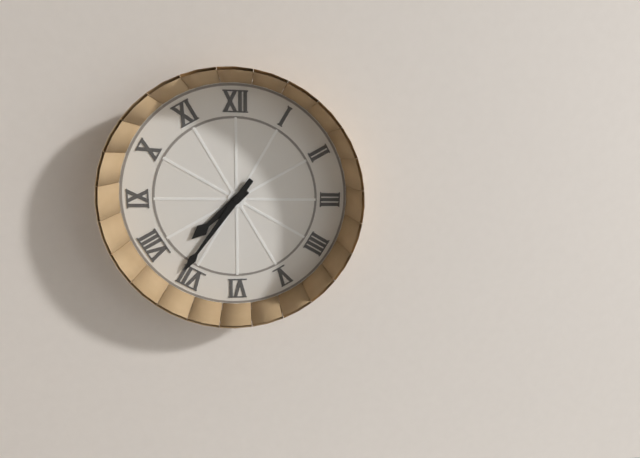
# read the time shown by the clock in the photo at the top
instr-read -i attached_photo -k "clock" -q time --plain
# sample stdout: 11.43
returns 7.36
